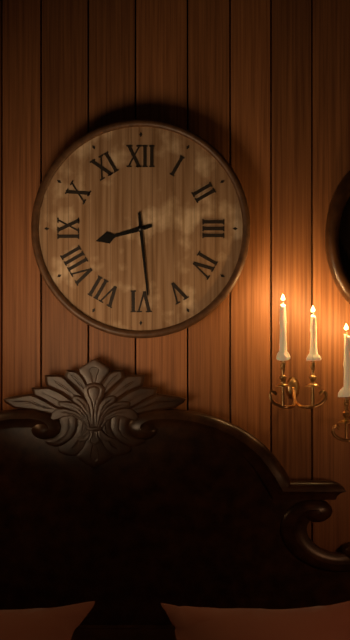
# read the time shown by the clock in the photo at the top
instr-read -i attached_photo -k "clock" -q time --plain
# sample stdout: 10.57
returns 8.29
